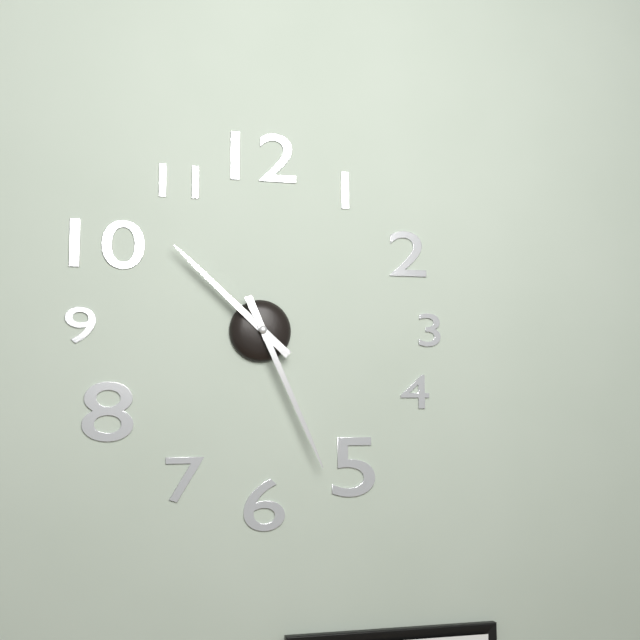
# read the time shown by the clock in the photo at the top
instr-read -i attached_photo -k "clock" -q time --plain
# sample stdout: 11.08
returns 10.26
